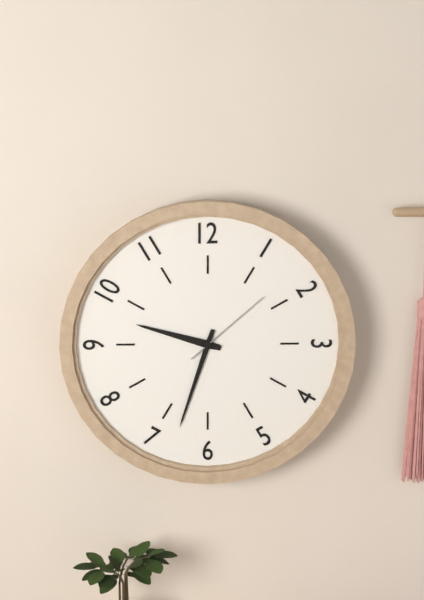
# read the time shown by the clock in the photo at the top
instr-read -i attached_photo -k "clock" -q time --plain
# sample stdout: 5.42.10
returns 9.33.08
